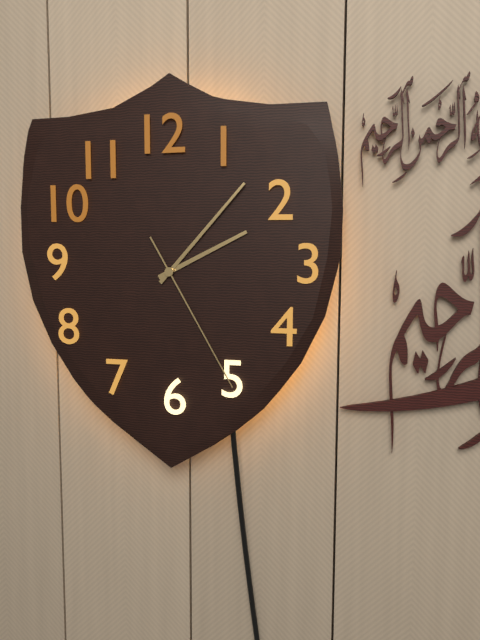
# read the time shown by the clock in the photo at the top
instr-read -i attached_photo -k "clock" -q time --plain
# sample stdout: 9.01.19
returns 2.07.25
